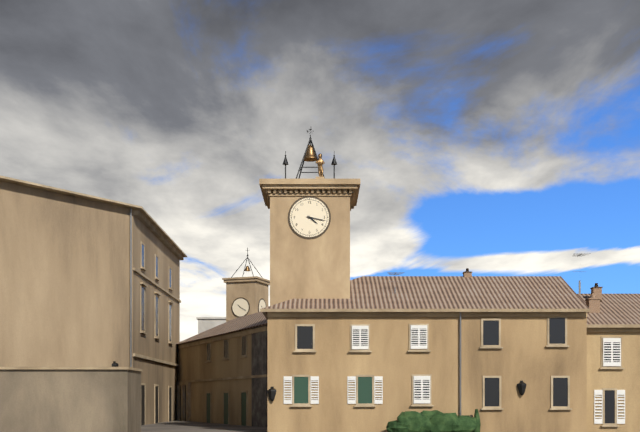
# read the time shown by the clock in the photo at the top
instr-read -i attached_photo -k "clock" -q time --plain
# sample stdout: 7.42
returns 4.17
